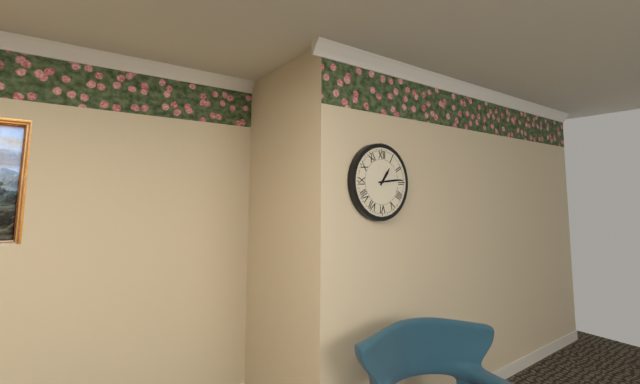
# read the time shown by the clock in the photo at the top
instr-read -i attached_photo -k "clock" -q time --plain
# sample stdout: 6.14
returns 1.14
